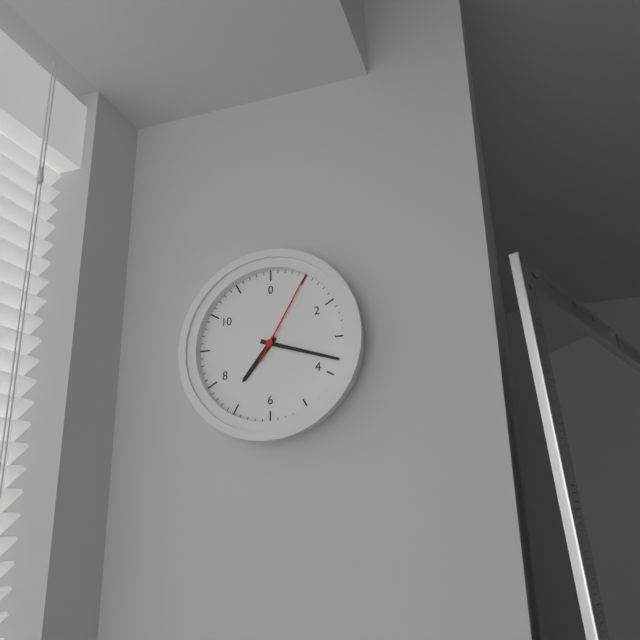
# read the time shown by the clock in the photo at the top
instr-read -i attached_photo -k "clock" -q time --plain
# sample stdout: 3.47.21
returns 7.18.05
